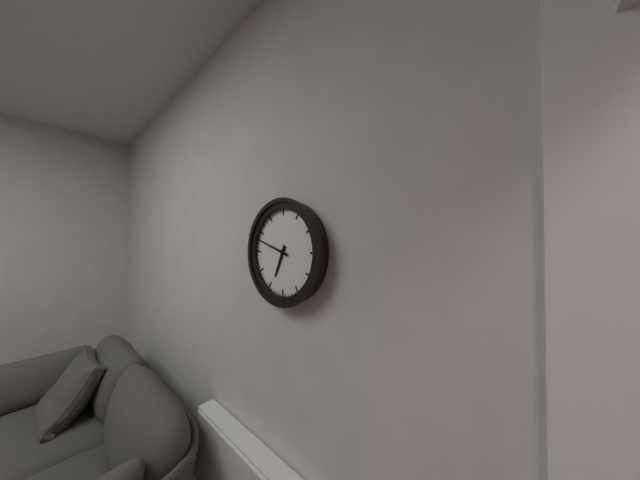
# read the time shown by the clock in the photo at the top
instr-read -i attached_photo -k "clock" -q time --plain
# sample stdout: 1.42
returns 6.48
